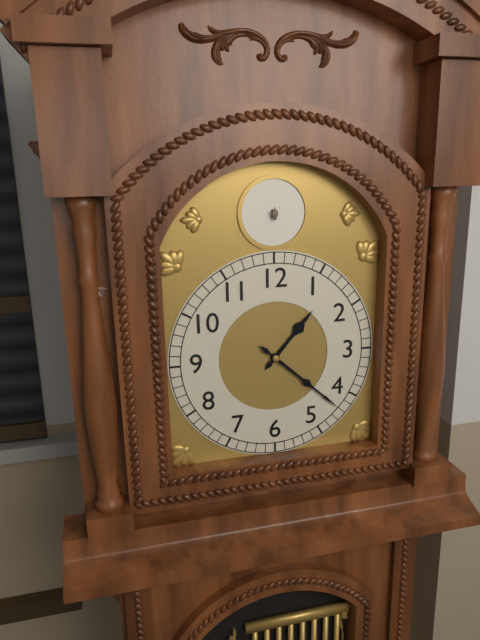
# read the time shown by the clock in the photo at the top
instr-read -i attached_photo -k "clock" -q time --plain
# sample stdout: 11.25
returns 1.22
